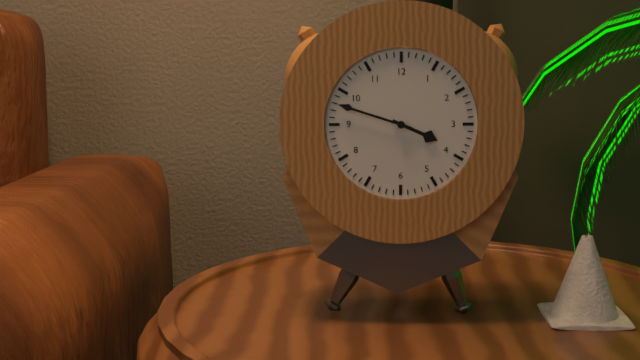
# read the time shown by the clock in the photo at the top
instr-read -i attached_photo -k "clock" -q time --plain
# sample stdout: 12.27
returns 3.48
